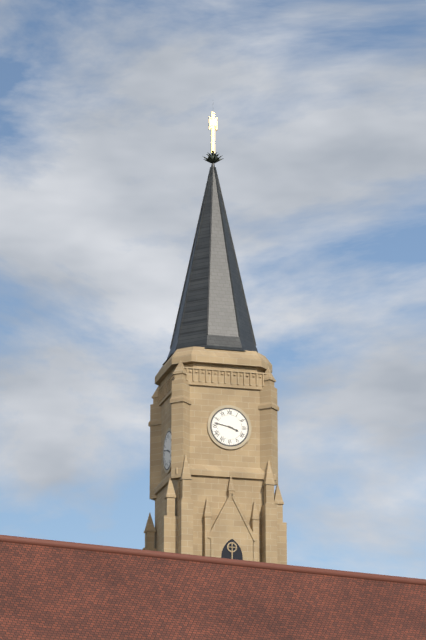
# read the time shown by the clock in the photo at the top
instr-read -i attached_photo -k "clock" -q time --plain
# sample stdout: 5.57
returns 3.47
